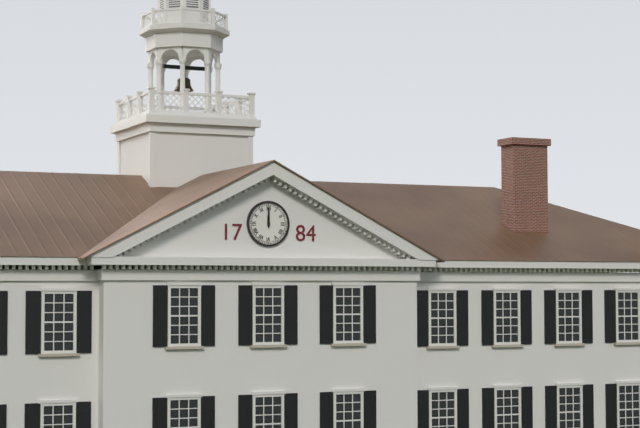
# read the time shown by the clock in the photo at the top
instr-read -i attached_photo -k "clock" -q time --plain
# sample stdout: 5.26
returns 12.00
